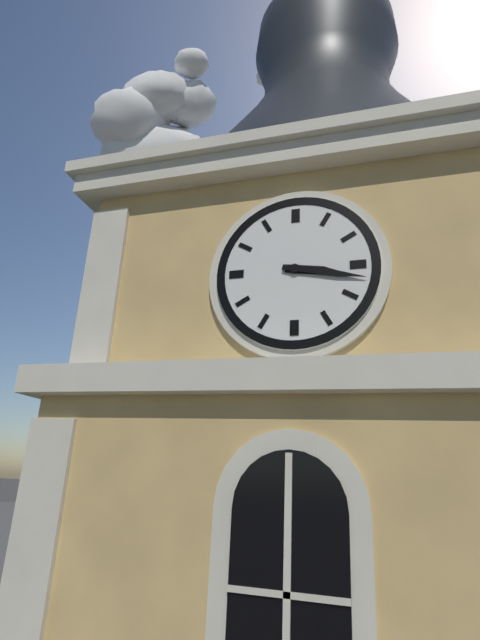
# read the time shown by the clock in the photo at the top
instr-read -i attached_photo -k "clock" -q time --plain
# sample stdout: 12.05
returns 3.17
